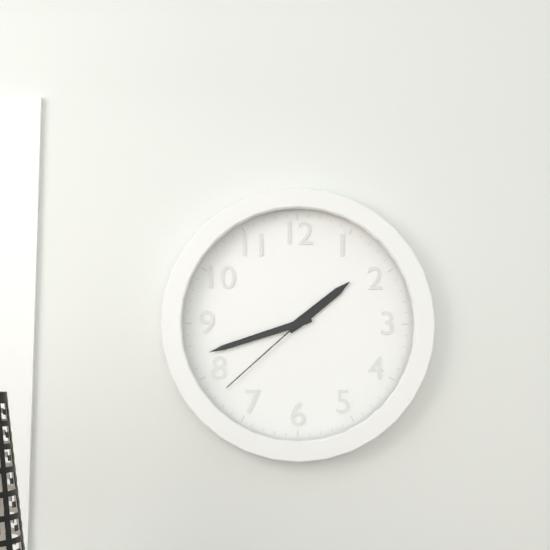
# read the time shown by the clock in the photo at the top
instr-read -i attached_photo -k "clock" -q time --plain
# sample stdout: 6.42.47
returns 1.42.38
